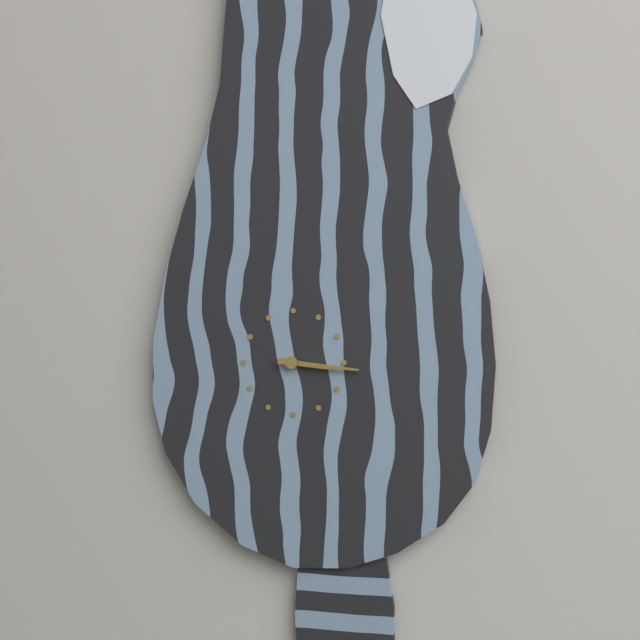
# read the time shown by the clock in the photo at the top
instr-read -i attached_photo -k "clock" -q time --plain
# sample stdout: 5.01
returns 3.16
